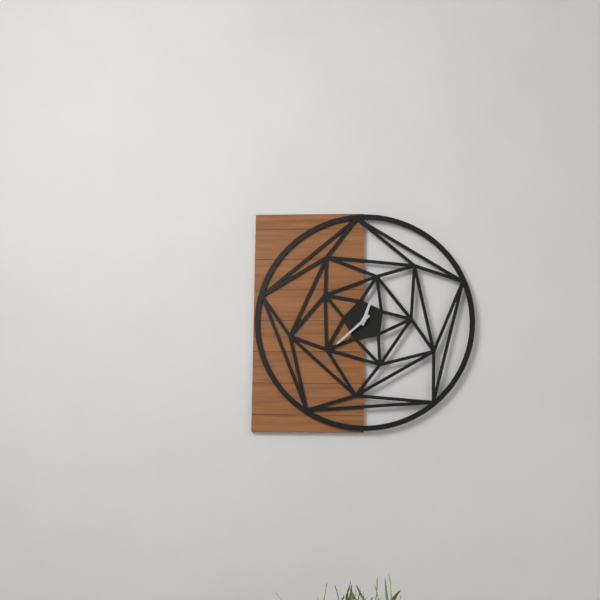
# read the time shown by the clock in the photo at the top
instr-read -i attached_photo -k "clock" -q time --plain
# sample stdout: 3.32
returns 12.38
